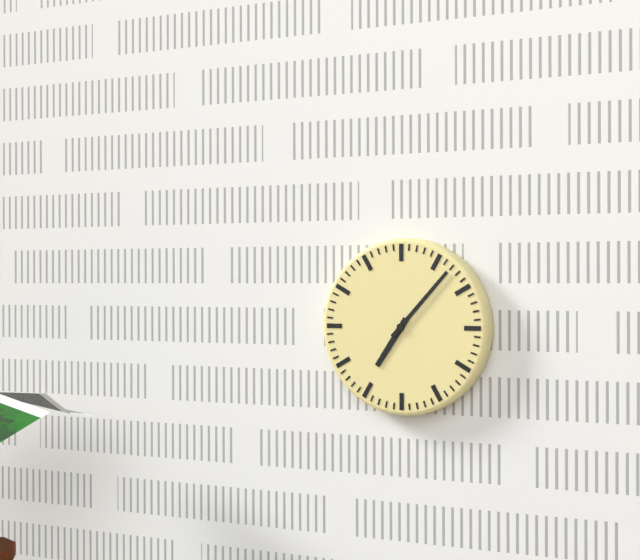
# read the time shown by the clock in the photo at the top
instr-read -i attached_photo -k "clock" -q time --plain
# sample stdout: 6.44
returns 7.07
